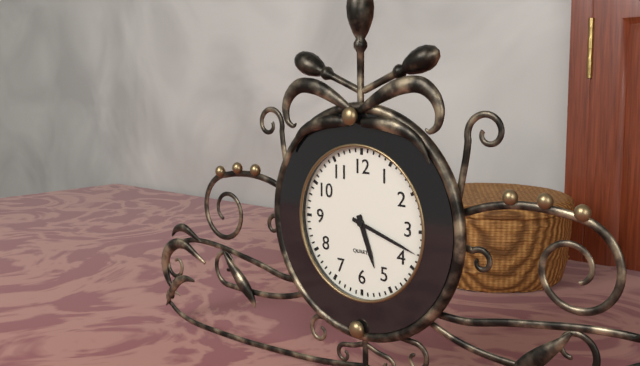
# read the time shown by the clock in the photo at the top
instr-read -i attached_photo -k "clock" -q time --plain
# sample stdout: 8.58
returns 5.18
